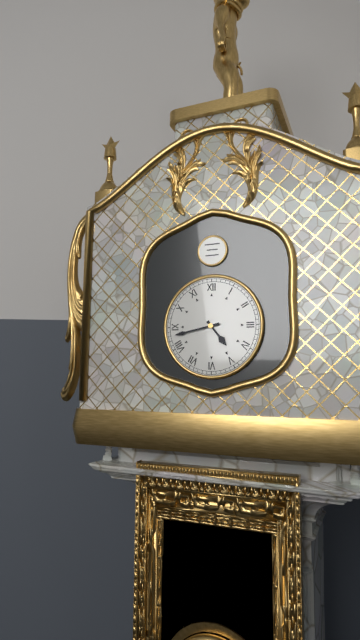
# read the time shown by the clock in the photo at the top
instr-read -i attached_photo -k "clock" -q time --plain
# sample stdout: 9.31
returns 4.43
